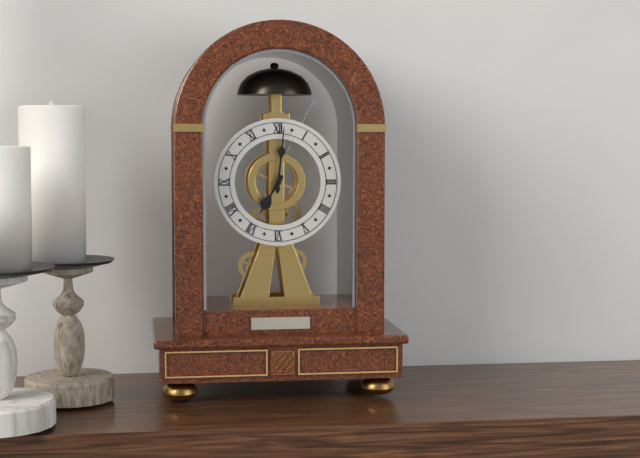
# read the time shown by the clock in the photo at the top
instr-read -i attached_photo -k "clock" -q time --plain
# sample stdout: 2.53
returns 7.01
